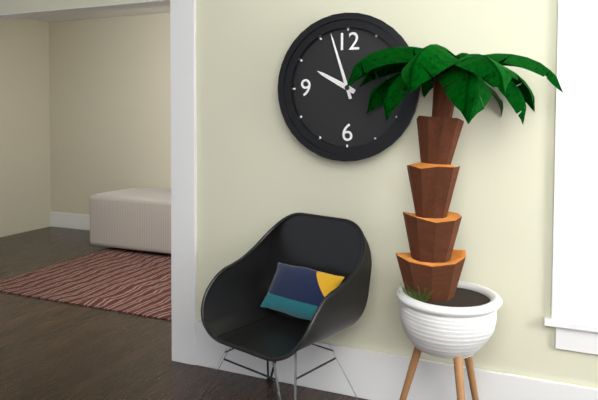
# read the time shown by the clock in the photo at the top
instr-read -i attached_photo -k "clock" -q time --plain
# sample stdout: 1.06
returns 9.57
